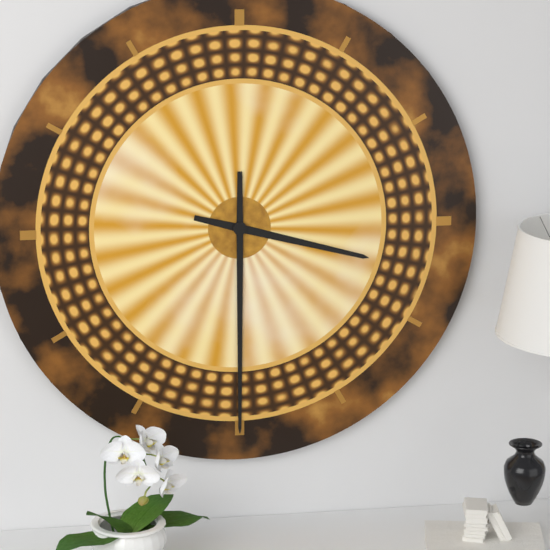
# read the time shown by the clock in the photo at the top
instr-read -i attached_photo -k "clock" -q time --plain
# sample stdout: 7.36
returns 3.30
